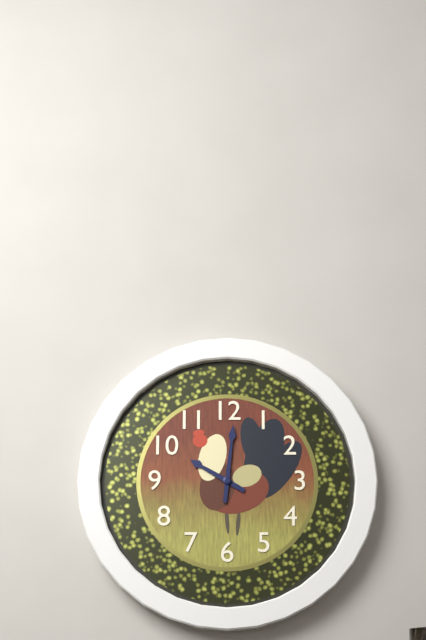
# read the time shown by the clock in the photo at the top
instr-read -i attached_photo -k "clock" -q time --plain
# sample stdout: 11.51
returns 10.01
